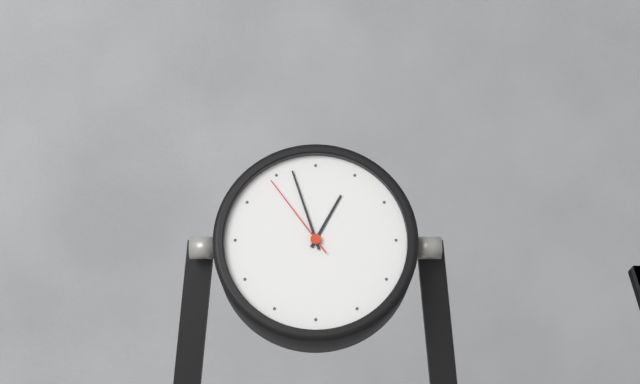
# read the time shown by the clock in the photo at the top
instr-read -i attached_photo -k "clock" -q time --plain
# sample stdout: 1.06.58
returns 12.57.54
